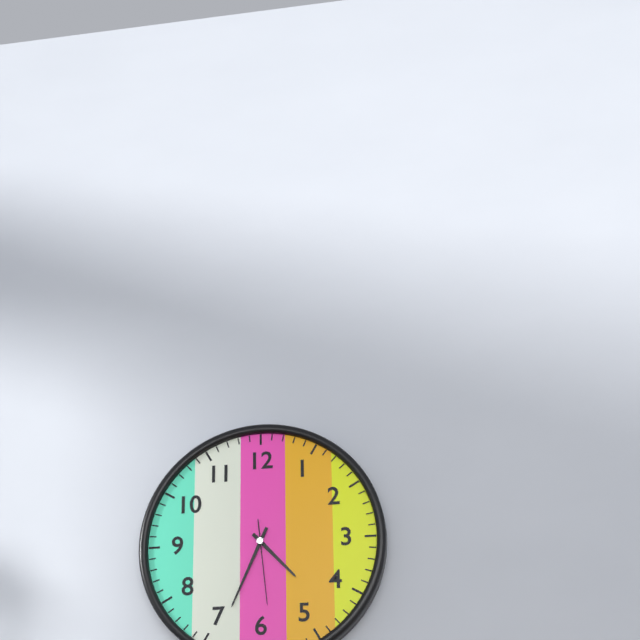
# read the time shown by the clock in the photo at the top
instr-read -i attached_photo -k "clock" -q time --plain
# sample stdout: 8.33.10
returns 4.34.29
